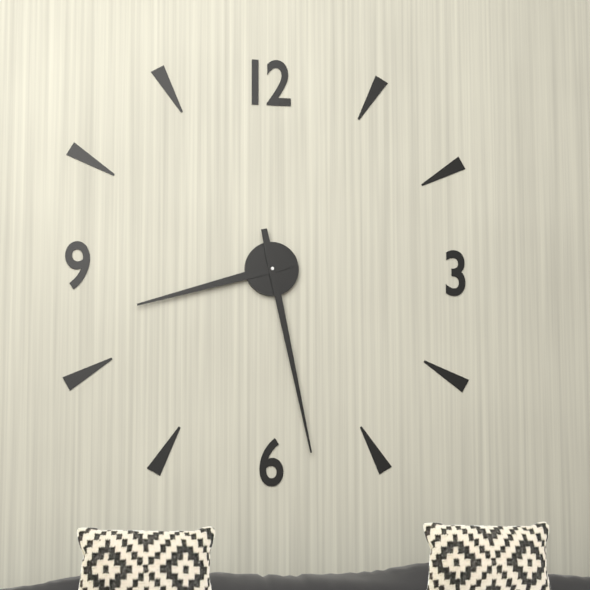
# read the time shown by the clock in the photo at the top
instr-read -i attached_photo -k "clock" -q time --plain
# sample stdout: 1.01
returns 8.28
